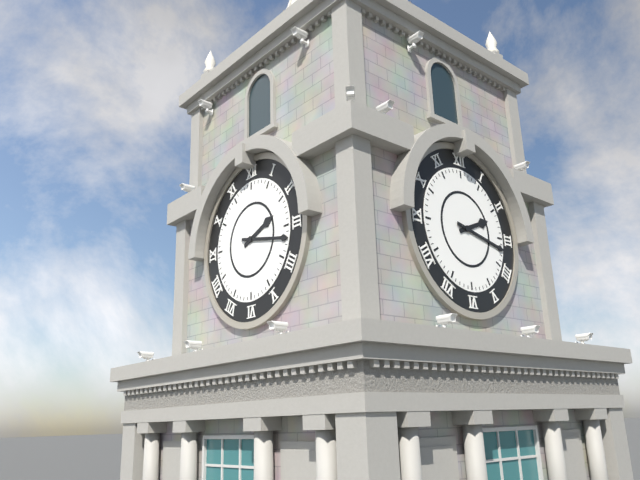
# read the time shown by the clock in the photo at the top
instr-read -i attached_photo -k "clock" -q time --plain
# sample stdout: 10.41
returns 2.17
